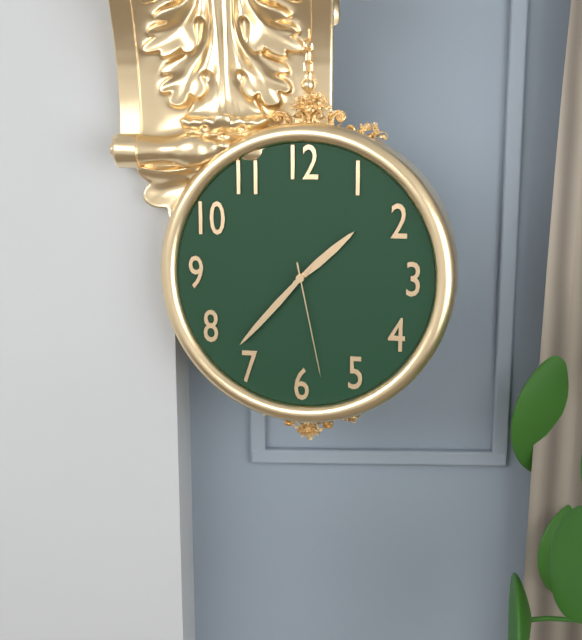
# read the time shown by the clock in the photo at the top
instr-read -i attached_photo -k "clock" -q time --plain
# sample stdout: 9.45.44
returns 1.37.28
